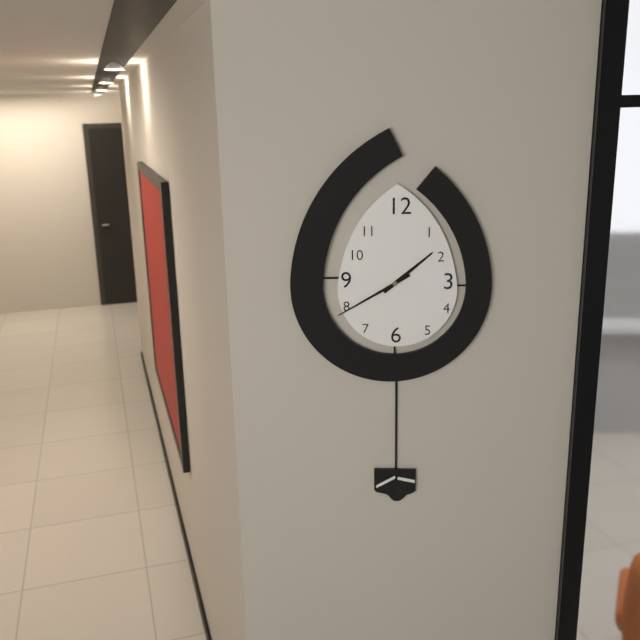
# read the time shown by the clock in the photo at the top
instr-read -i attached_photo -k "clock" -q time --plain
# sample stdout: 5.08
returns 1.40
